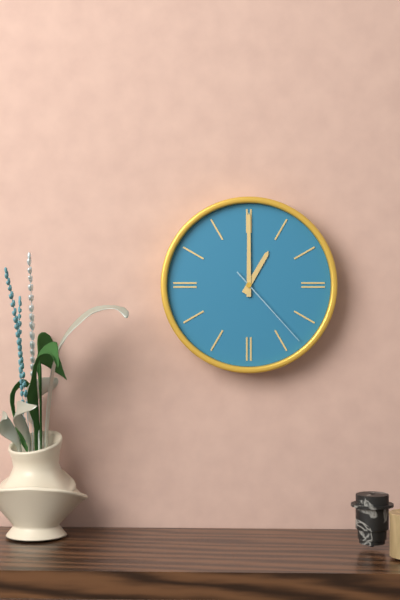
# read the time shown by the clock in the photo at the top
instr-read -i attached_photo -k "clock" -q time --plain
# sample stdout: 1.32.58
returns 1.00.23
